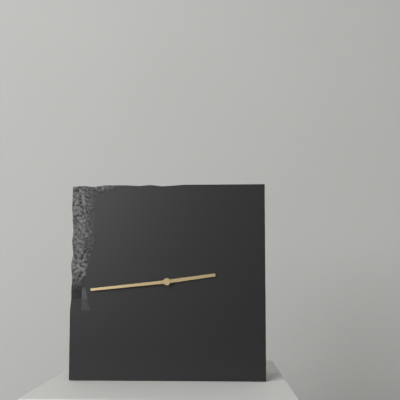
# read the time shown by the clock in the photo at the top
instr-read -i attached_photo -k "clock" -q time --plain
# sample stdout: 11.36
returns 2.44
